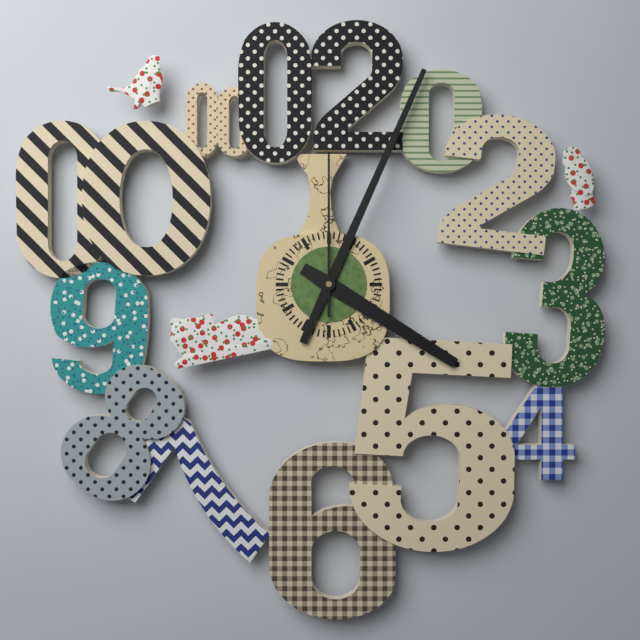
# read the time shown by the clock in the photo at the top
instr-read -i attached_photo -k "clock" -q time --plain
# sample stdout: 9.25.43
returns 4.04.00
